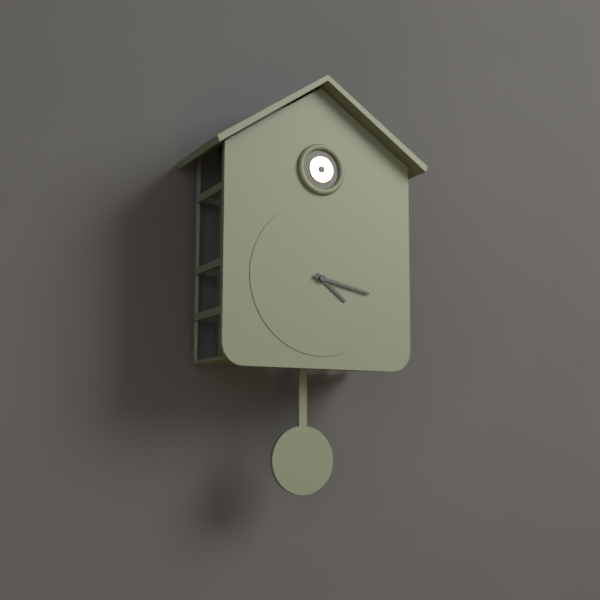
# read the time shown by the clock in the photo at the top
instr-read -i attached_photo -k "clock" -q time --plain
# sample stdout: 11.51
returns 4.17
